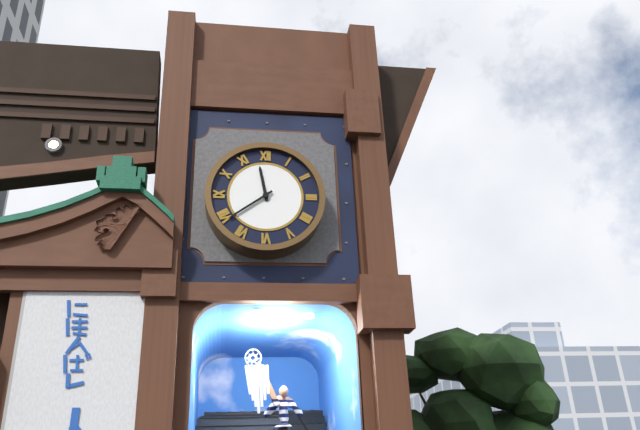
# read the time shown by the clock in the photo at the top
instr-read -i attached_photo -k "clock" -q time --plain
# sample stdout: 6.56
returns 11.39
